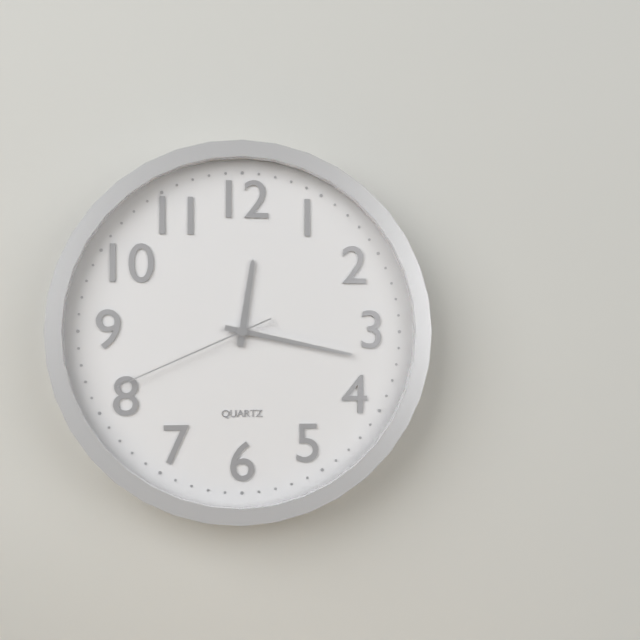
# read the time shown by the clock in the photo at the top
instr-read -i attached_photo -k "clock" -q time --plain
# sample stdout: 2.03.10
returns 12.17.41
